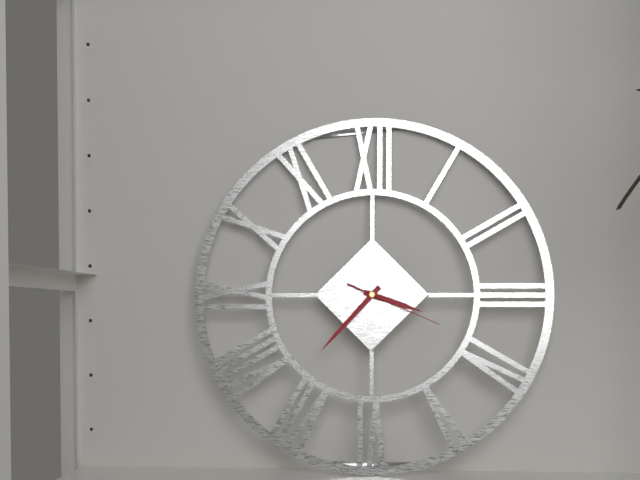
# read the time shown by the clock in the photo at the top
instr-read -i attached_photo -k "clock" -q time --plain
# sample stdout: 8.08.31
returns 3.37.19
